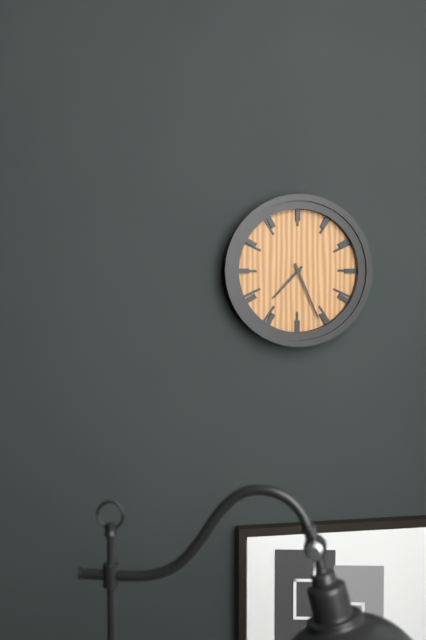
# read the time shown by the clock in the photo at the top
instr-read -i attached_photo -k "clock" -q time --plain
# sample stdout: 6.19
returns 7.26
